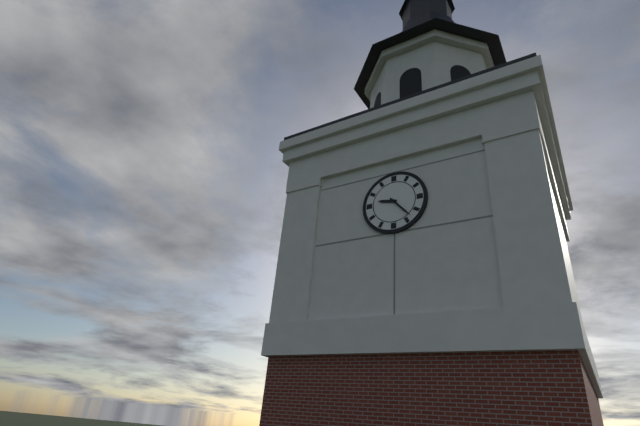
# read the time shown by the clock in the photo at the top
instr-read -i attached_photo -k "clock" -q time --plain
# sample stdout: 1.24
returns 9.23
